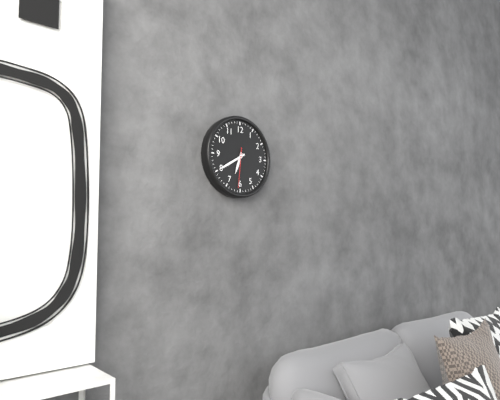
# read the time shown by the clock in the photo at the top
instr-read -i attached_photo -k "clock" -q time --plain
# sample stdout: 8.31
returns 6.40
